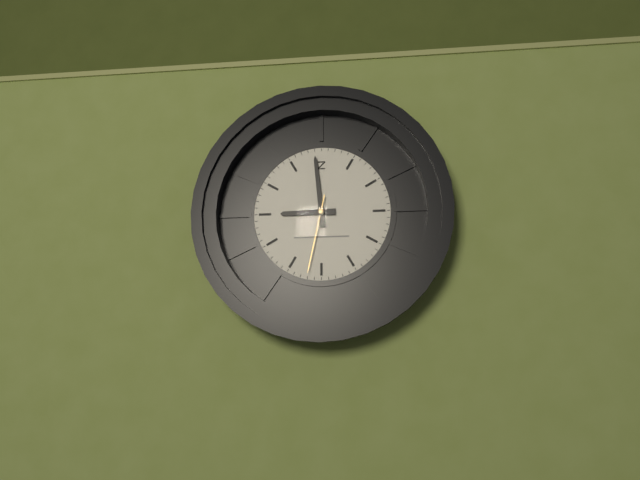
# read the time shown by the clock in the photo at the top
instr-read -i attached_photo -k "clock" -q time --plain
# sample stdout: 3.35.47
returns 8.59.32
